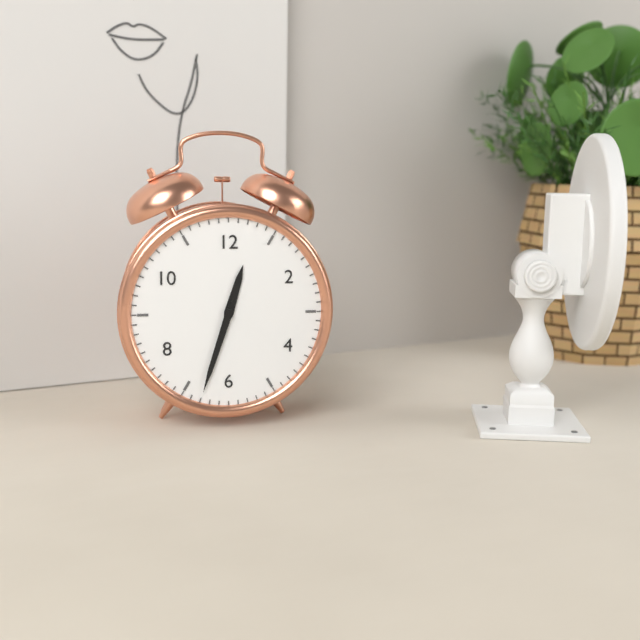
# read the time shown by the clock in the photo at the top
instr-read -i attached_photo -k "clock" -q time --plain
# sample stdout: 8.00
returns 12.33
